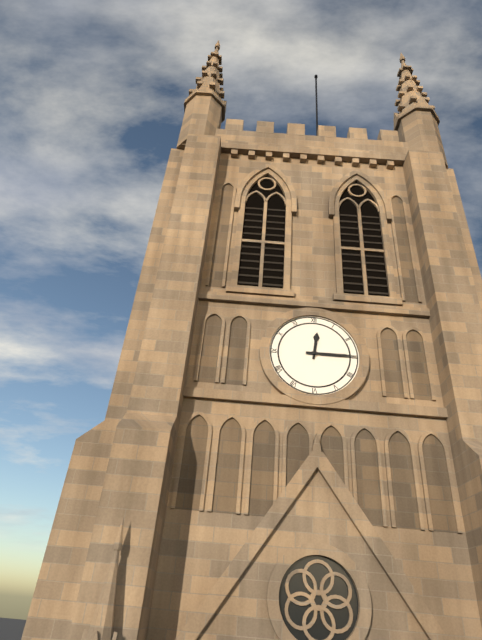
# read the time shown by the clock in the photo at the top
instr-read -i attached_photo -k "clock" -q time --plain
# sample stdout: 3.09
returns 12.15
